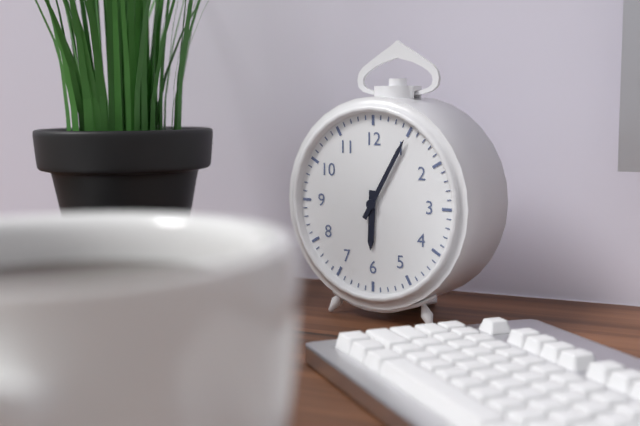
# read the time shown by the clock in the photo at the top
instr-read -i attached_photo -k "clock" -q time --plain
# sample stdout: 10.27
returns 6.05
